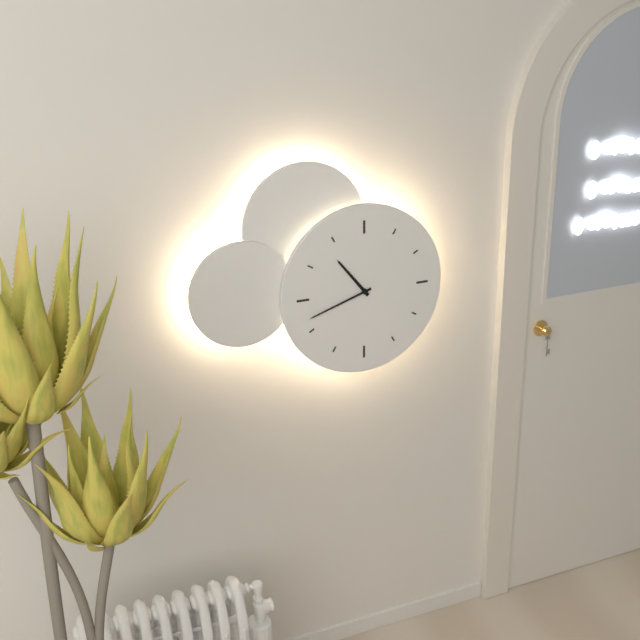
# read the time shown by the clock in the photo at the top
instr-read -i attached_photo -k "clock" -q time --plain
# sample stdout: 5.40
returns 10.42
